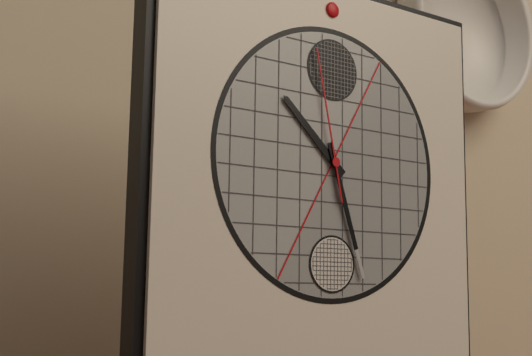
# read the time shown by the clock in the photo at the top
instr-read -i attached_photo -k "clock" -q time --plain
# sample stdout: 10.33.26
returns 10.27.58
